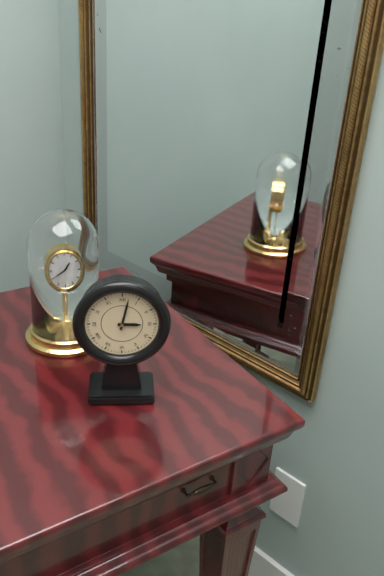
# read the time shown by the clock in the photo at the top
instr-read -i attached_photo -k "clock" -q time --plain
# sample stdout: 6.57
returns 3.02
